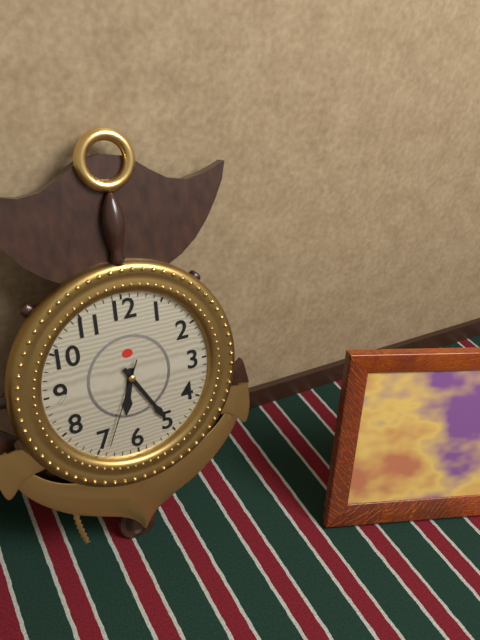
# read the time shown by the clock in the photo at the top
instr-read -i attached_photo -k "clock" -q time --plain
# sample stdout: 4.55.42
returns 6.25.34
